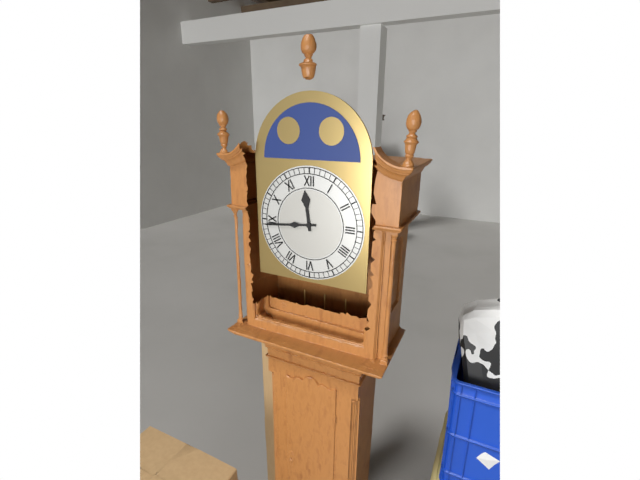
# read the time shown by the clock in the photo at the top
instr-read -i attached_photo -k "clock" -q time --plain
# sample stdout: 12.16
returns 11.44
